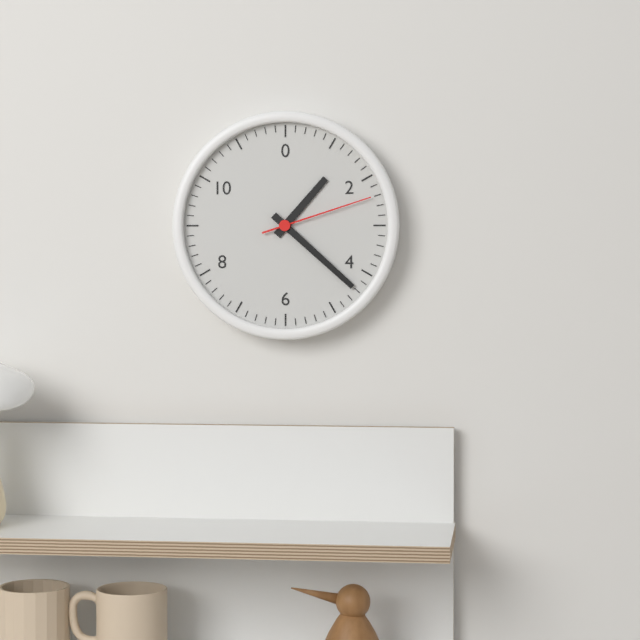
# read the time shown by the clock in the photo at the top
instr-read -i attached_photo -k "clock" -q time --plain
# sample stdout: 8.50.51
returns 1.22.12
